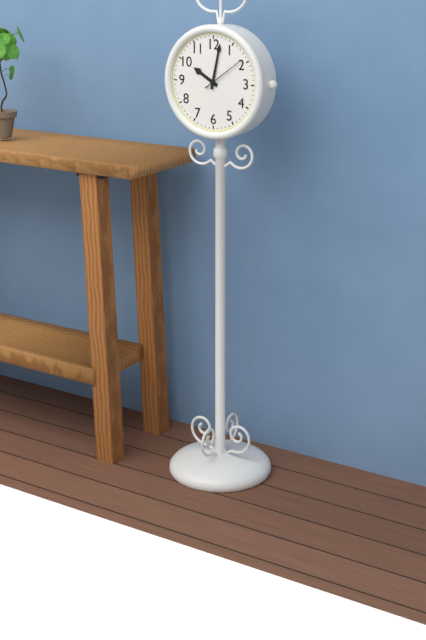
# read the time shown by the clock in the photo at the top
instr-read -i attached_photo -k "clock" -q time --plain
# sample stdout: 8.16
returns 10.02
